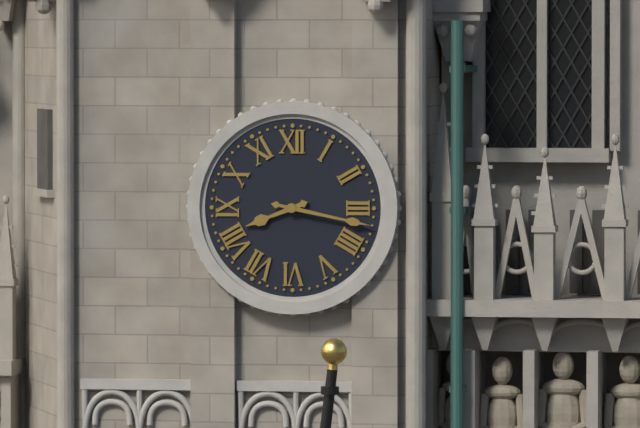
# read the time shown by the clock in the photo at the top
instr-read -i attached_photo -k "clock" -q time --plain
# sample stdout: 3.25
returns 8.17
